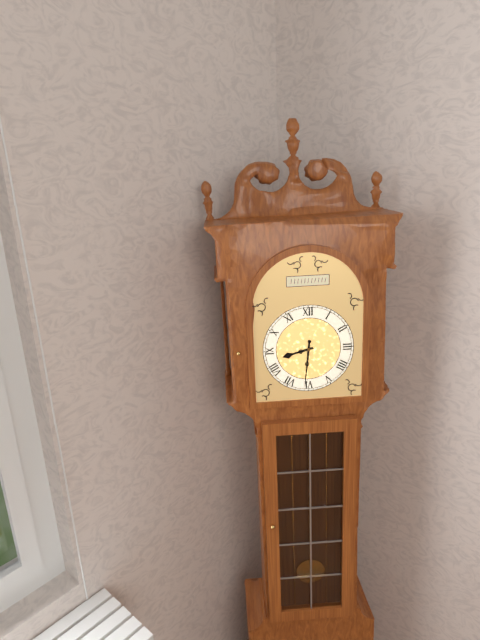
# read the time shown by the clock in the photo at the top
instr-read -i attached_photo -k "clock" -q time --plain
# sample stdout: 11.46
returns 8.31
